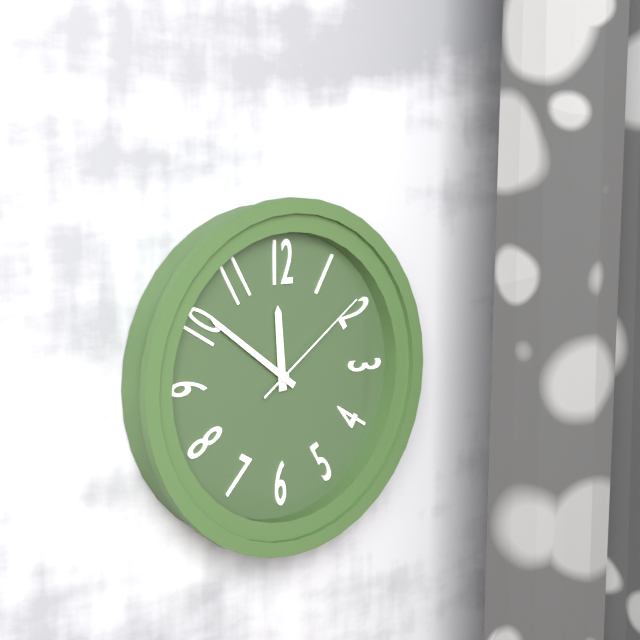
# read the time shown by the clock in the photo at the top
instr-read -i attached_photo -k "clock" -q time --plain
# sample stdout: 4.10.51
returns 11.51.09
